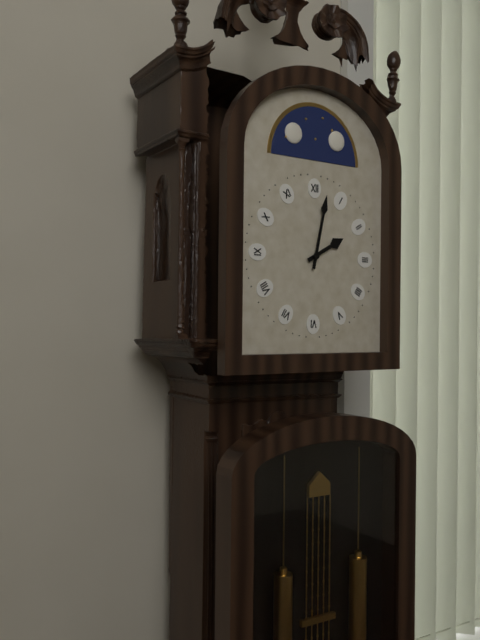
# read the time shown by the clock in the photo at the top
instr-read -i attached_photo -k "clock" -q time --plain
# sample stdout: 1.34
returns 2.02
